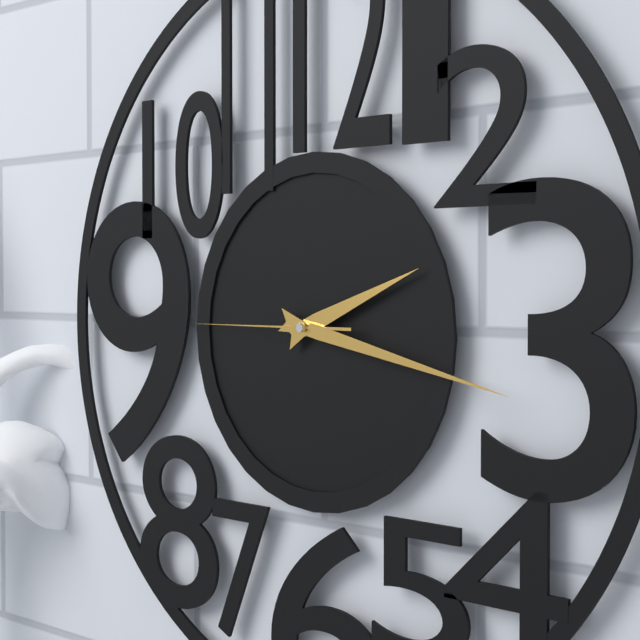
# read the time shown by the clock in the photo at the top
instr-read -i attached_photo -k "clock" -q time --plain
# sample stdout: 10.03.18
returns 2.17.45
